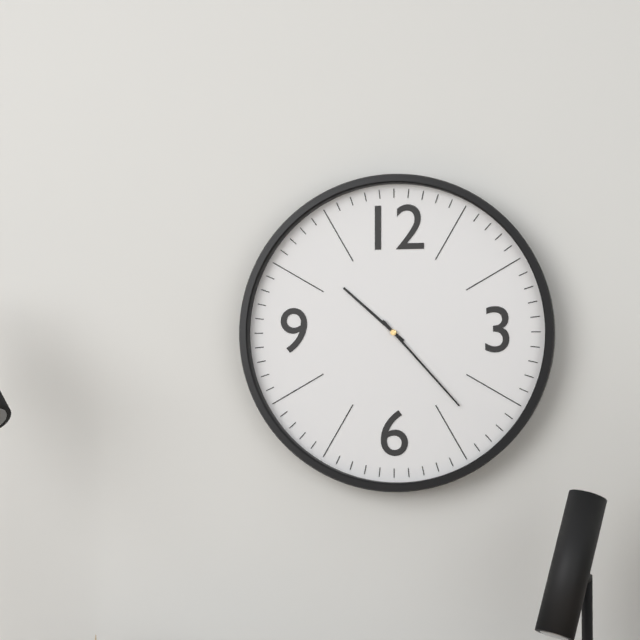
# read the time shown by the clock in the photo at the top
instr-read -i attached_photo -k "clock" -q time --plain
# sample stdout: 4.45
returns 10.23
